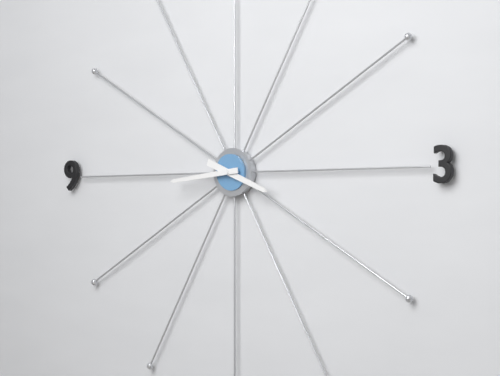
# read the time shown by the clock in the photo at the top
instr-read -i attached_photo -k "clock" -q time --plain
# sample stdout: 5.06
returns 3.44
